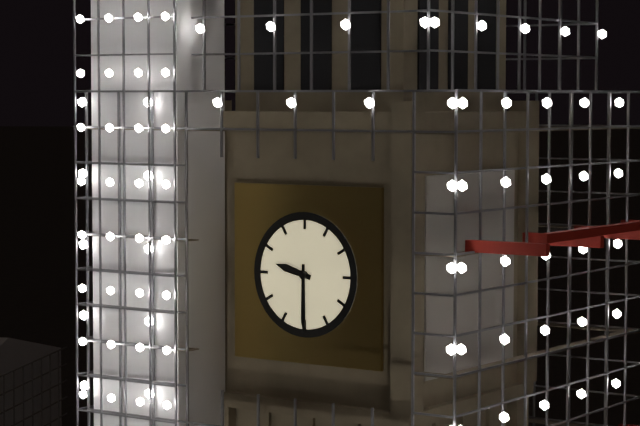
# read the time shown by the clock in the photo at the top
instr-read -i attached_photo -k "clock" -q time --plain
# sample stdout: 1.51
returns 9.30
